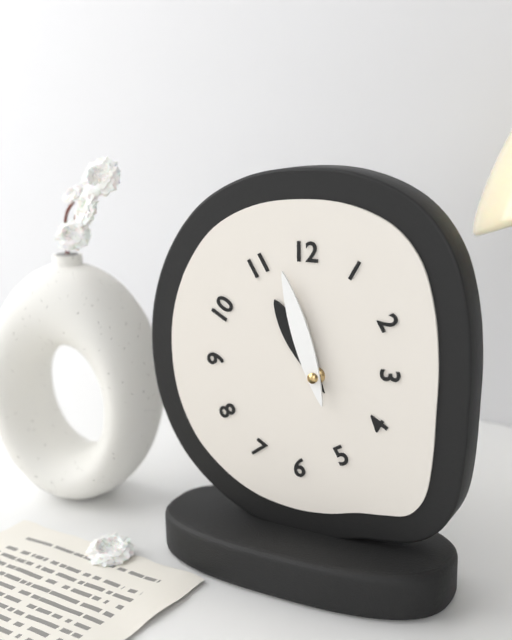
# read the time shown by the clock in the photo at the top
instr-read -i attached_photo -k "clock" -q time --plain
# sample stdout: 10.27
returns 10.57
